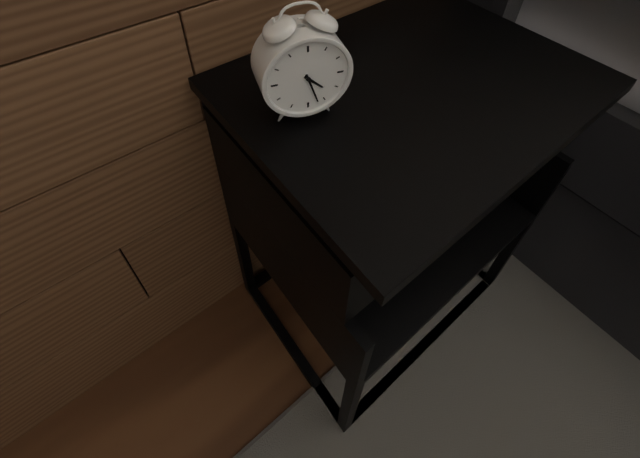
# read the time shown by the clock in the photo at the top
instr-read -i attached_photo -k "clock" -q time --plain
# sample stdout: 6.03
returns 4.27
